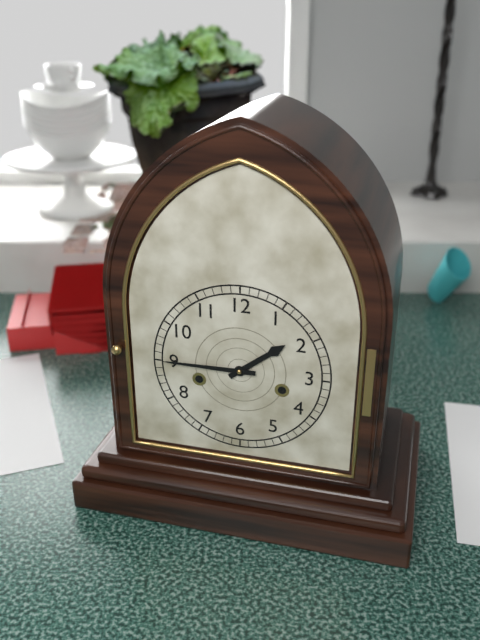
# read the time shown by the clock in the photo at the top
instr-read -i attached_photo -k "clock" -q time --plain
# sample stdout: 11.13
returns 1.45
